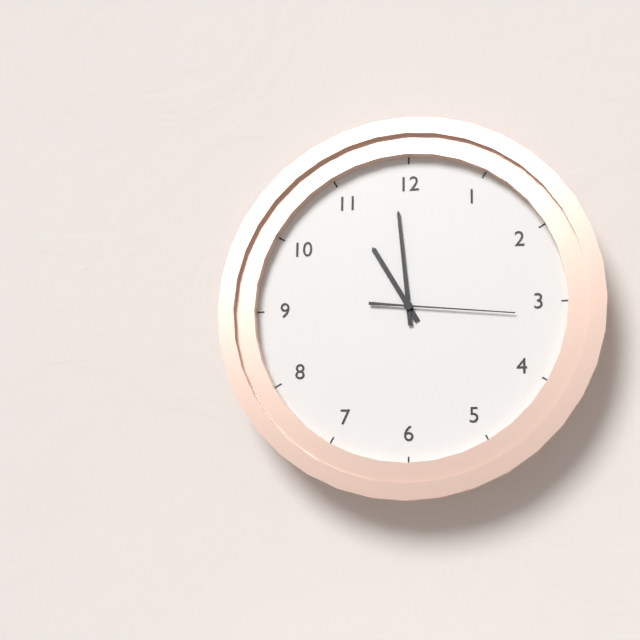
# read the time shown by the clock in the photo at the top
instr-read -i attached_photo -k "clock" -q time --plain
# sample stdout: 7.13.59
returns 10.59.16
